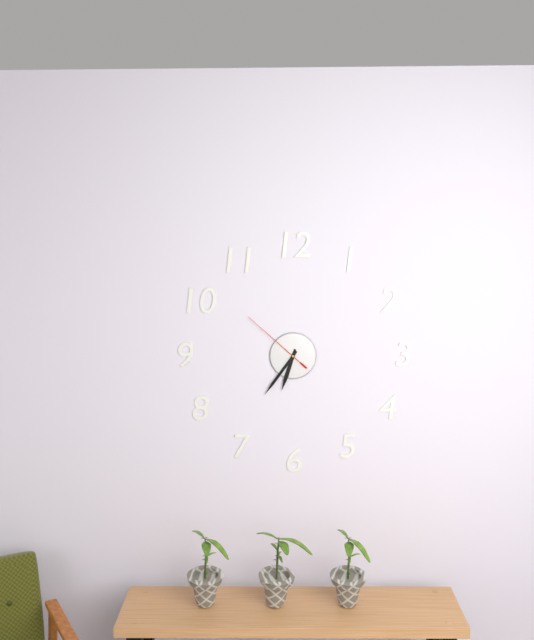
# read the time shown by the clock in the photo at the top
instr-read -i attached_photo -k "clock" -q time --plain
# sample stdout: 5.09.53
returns 6.36.52
